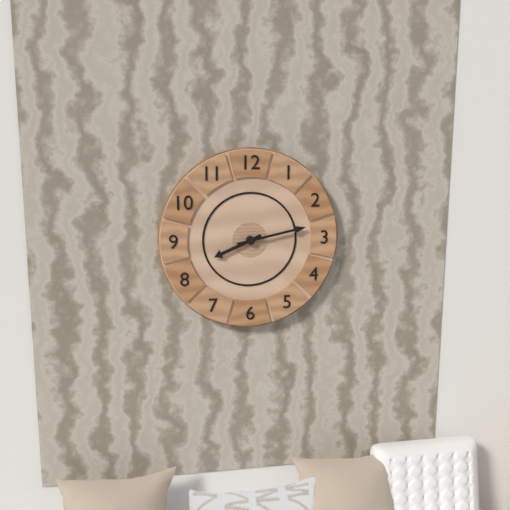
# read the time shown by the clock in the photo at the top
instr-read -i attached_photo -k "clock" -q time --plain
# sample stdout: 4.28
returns 8.13
